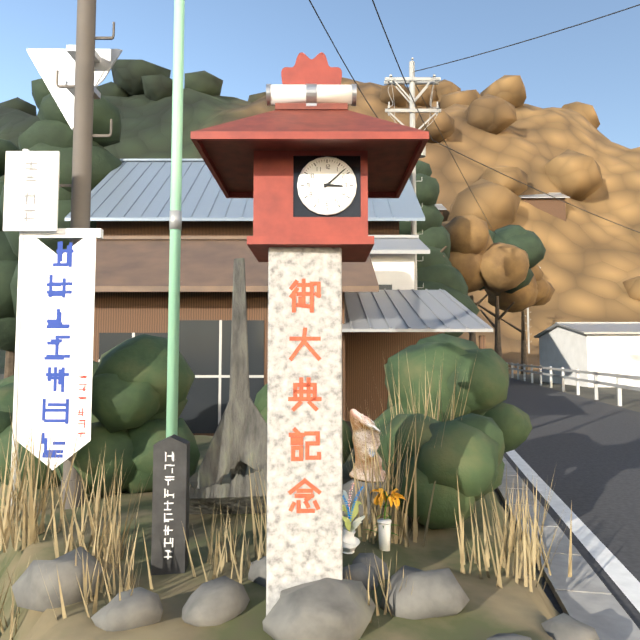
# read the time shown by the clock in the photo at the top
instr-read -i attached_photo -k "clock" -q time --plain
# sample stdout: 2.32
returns 3.08
